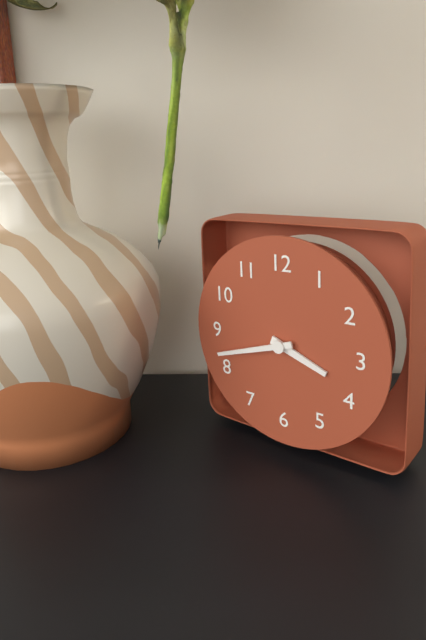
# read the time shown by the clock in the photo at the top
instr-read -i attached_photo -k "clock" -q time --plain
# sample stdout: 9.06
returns 3.42
